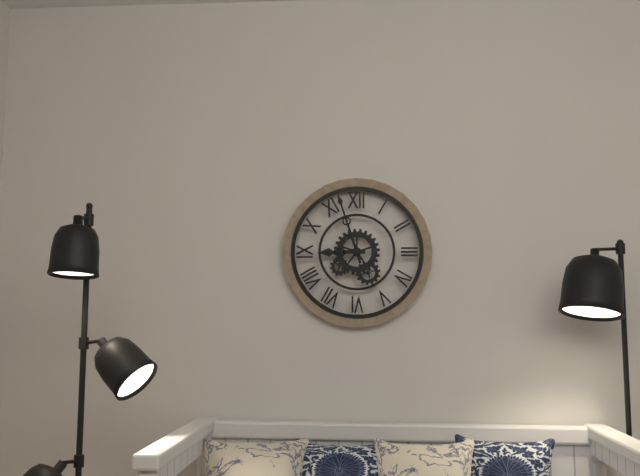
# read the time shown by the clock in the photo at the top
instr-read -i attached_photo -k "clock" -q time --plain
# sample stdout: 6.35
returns 8.57
